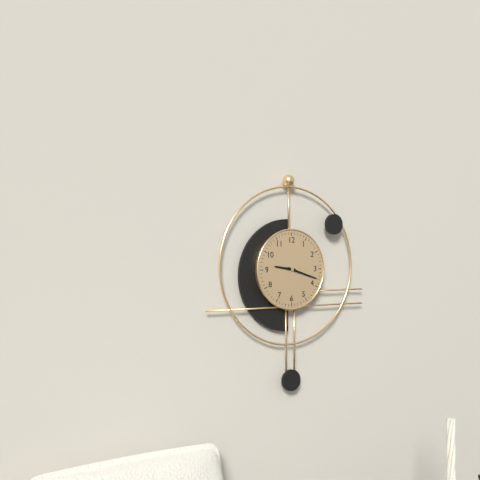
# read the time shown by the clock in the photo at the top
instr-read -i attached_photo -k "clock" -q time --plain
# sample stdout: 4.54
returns 9.18
